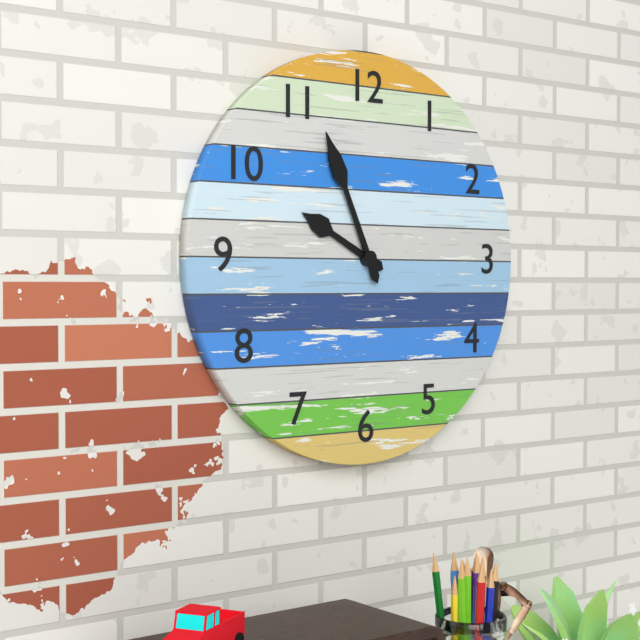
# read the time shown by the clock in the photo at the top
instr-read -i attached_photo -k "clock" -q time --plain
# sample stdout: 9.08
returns 9.56
